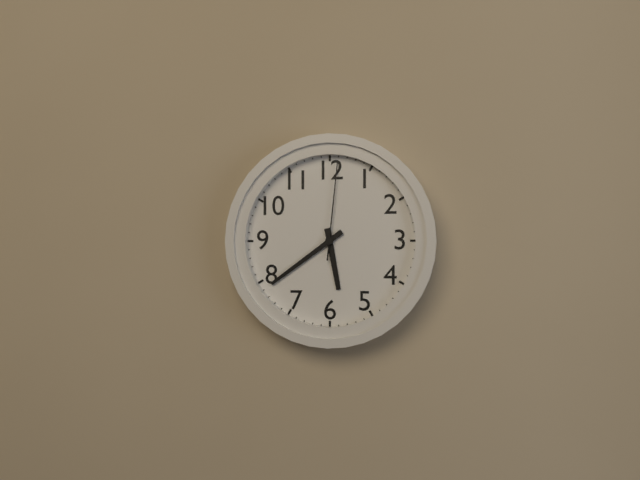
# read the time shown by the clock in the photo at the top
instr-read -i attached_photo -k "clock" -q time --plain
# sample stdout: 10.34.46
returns 5.39.01
